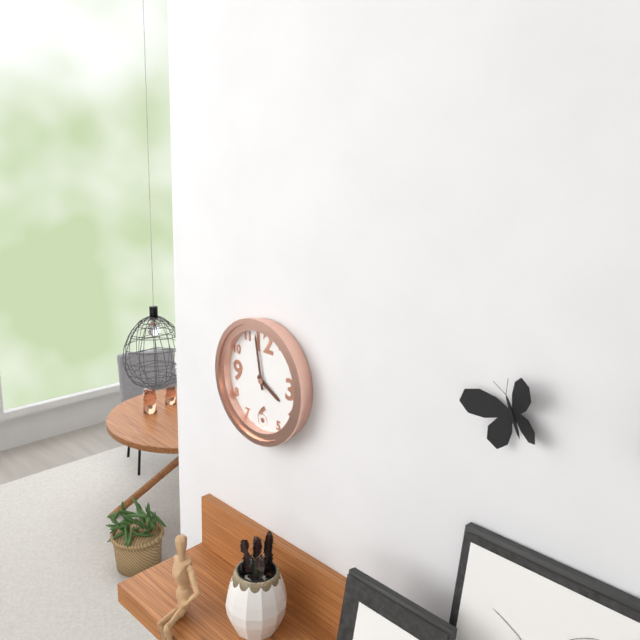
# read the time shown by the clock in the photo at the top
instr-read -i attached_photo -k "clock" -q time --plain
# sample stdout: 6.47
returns 3.58
